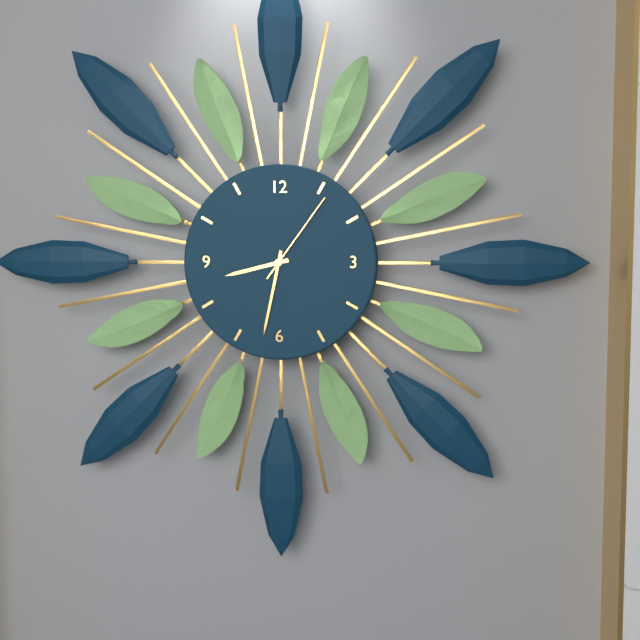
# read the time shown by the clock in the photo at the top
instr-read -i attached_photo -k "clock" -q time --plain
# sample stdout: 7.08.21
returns 8.32.06
